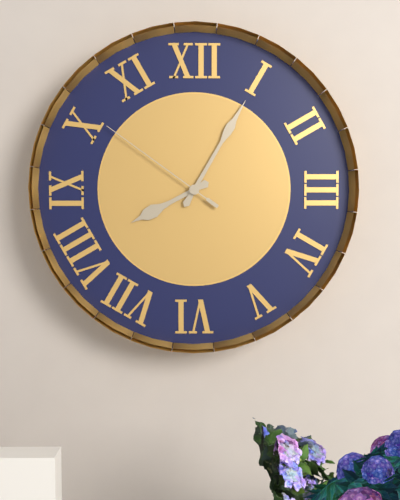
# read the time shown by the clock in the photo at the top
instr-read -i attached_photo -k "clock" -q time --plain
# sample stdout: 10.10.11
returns 8.05.51
